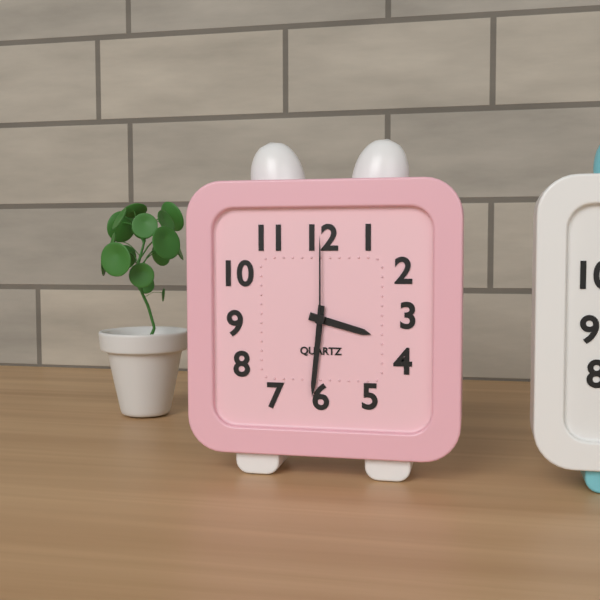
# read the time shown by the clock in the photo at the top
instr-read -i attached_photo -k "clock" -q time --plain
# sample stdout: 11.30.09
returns 3.31.00
